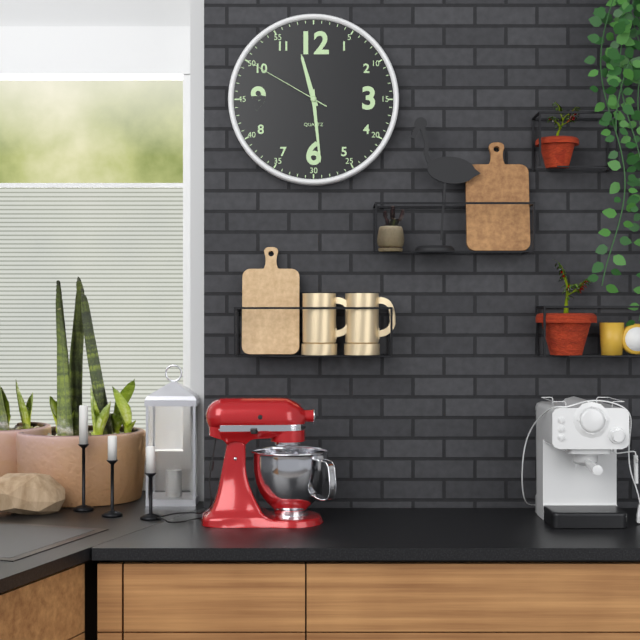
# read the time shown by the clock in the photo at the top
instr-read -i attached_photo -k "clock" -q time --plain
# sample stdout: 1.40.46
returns 11.29.50
